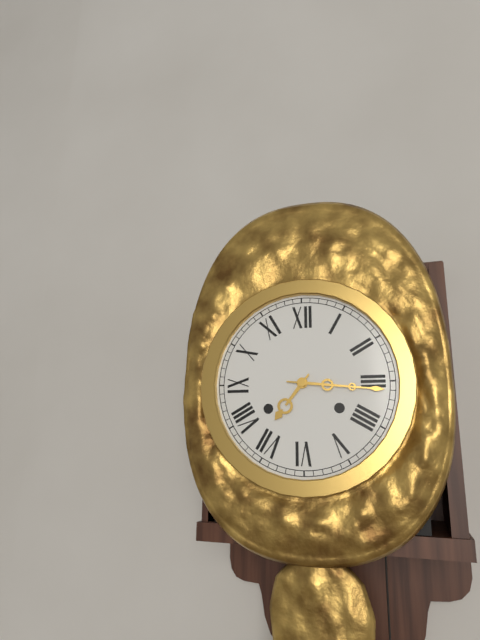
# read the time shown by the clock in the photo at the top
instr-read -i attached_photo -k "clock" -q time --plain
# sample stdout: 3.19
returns 7.16
